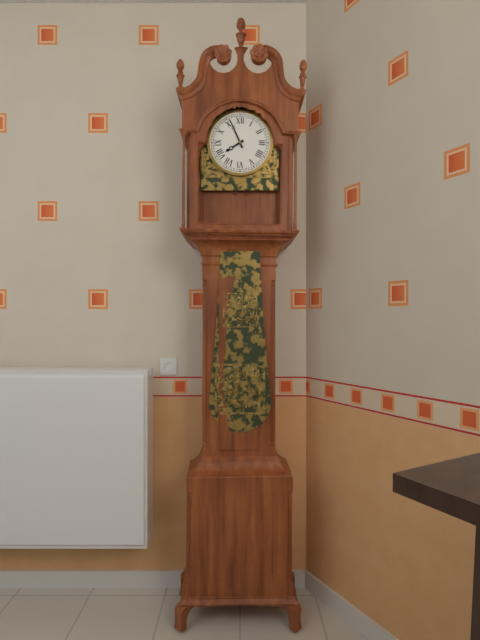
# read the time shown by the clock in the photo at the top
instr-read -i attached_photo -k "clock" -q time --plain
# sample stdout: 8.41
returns 7.56
